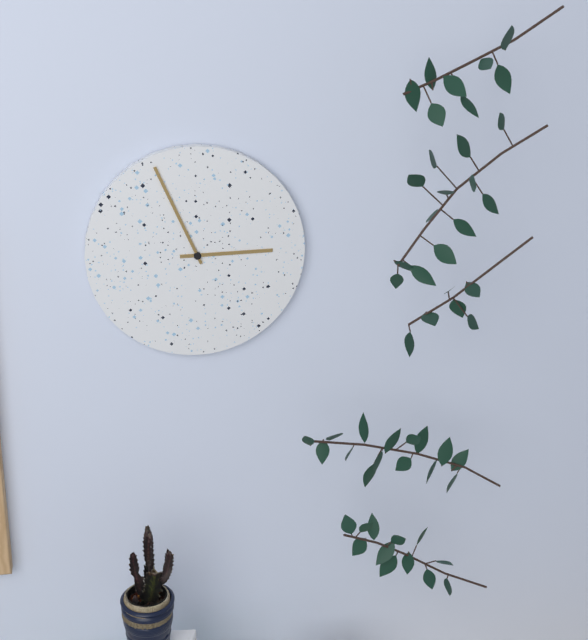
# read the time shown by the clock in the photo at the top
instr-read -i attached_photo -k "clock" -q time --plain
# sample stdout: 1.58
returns 2.56
